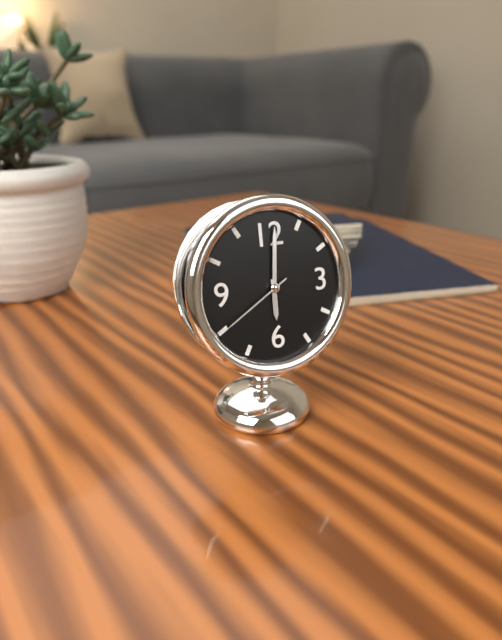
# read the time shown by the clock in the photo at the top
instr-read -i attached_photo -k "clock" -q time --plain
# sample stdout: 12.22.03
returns 6.01.40
